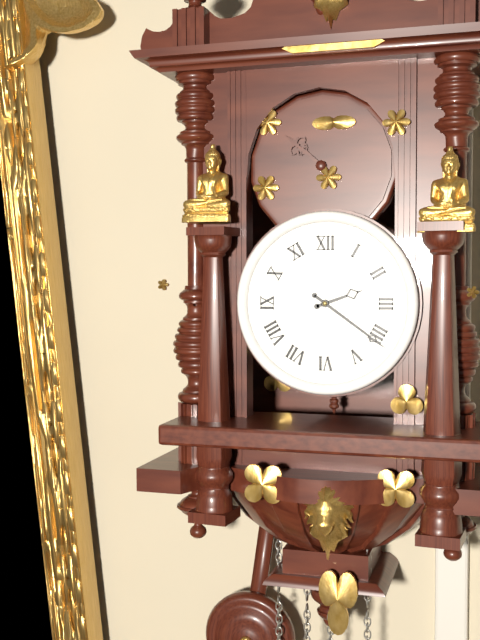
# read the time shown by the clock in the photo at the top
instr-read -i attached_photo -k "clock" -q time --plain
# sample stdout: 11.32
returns 2.21
